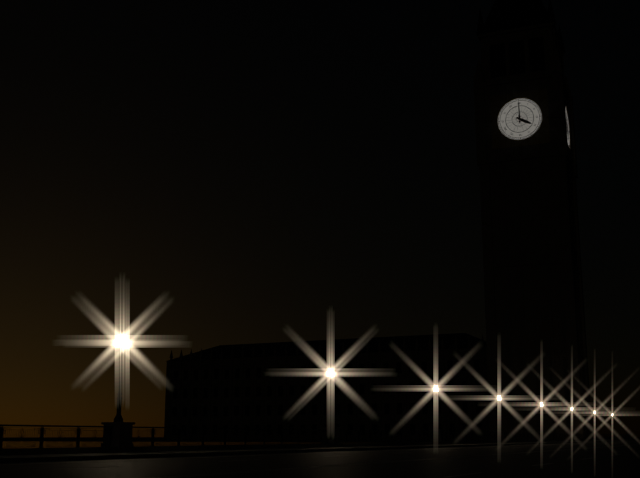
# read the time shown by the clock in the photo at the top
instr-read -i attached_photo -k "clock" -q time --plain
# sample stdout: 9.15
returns 4.00
